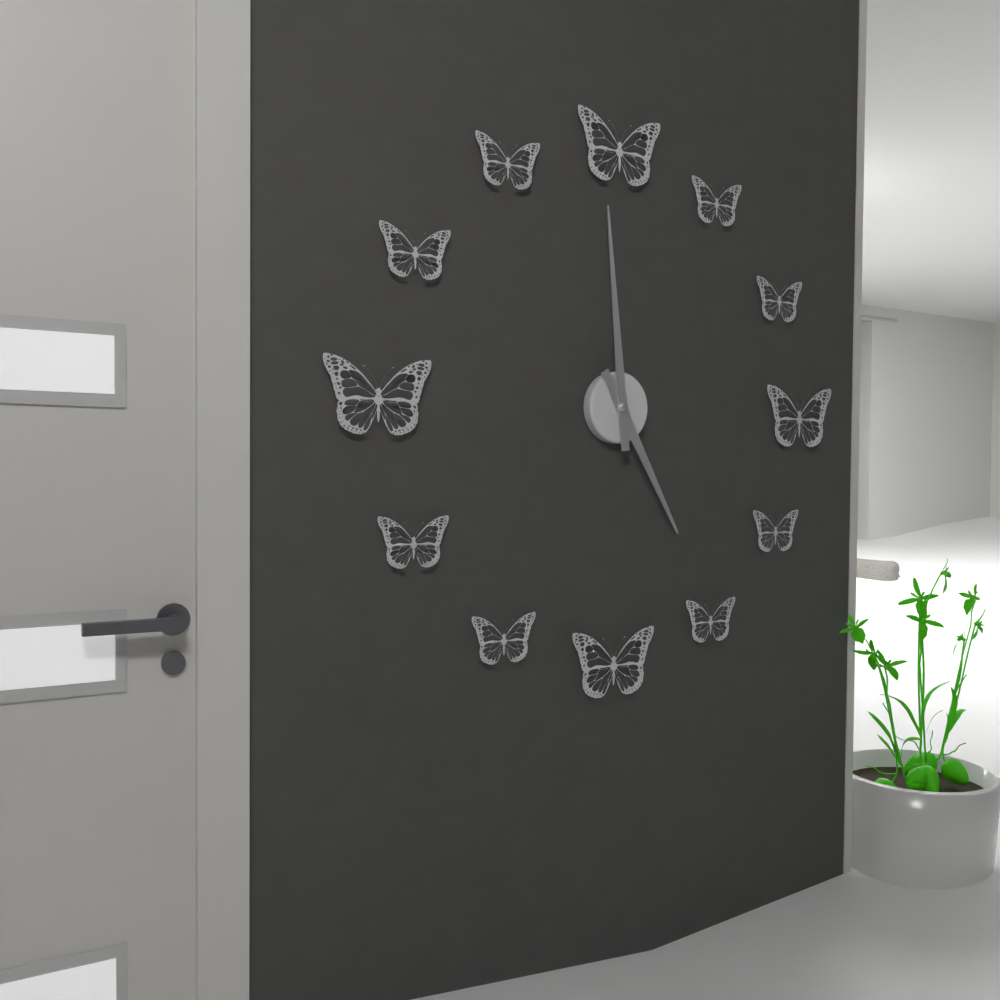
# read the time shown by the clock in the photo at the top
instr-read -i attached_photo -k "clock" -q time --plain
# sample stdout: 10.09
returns 4.59
